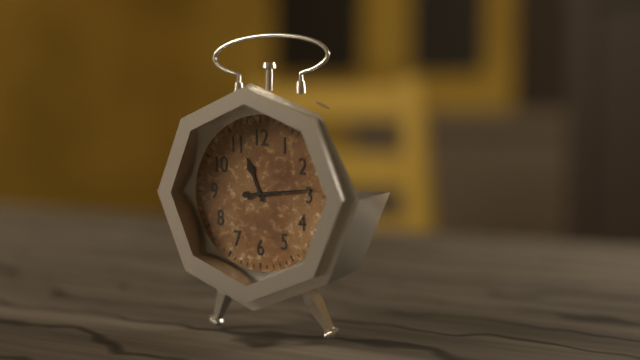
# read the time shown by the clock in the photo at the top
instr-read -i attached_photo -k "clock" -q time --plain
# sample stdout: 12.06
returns 11.14
